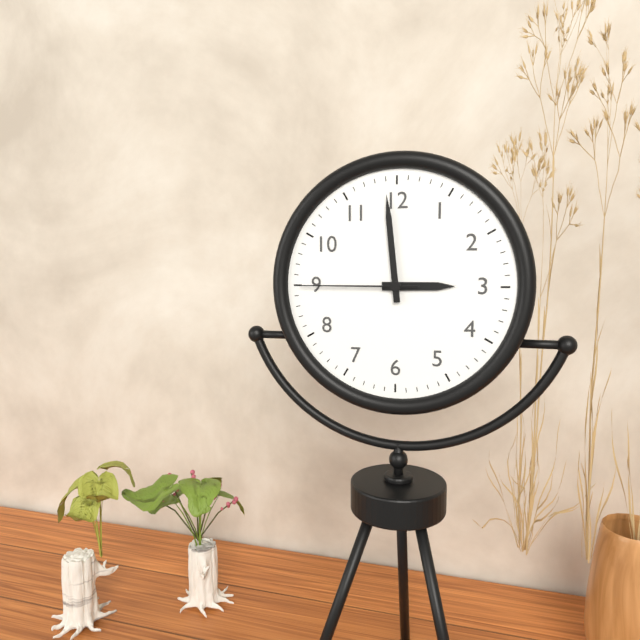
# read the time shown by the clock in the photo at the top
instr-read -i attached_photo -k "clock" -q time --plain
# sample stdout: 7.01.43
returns 2.59.45
